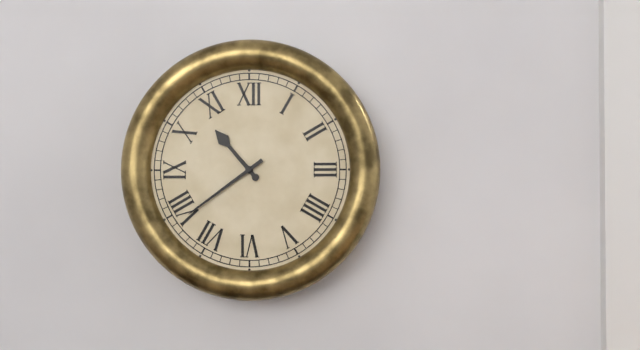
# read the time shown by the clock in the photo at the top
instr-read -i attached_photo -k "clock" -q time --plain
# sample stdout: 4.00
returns 10.39
